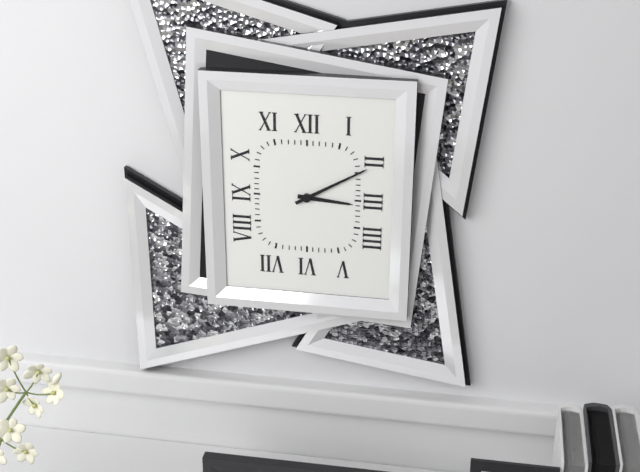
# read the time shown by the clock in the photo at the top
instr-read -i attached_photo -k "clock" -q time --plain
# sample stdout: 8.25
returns 3.10
